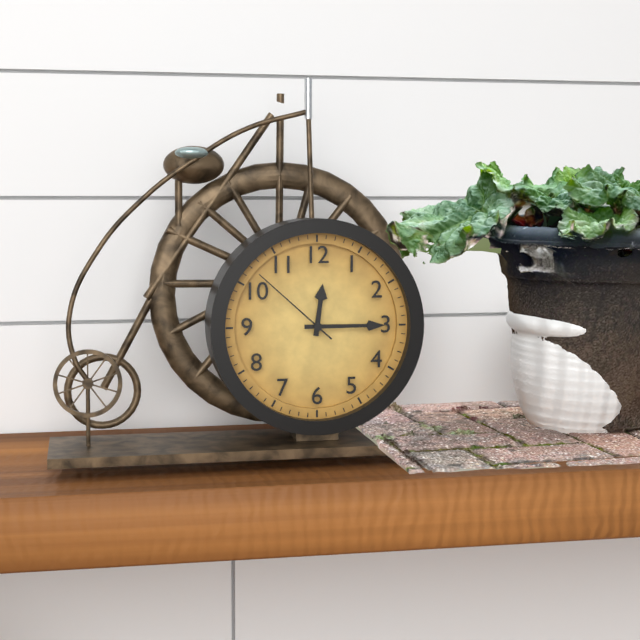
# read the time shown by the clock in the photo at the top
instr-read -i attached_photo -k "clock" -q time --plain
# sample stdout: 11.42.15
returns 12.15.52
